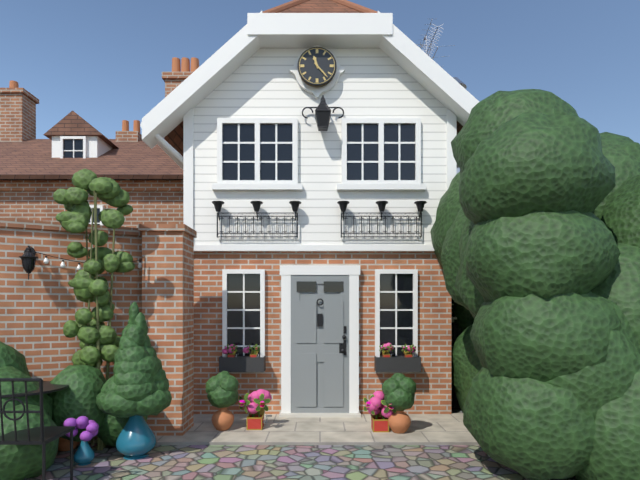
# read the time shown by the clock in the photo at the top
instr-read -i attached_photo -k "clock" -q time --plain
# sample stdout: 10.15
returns 11.23
